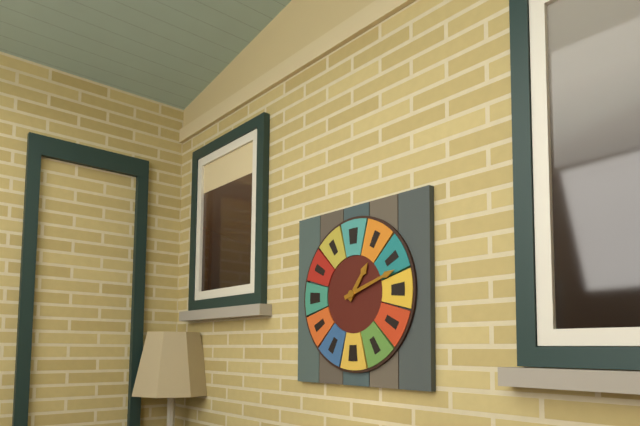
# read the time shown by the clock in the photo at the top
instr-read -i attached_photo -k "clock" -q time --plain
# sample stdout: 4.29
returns 1.12
